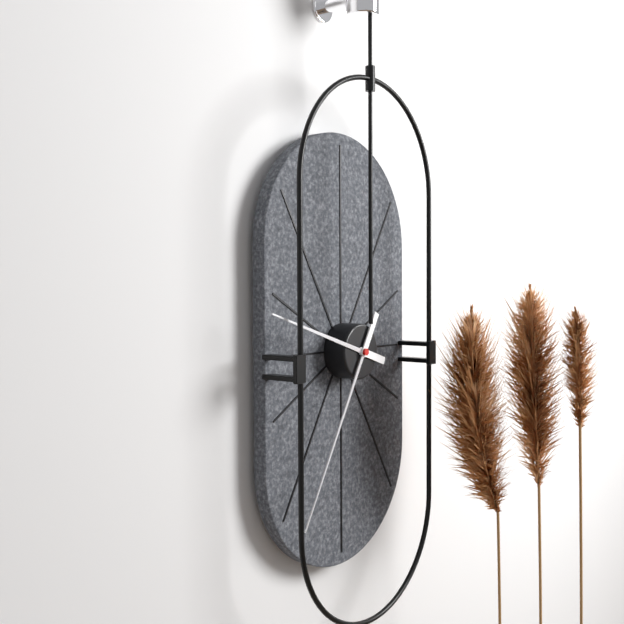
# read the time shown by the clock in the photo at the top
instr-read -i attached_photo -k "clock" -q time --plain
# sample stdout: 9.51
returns 9.35
